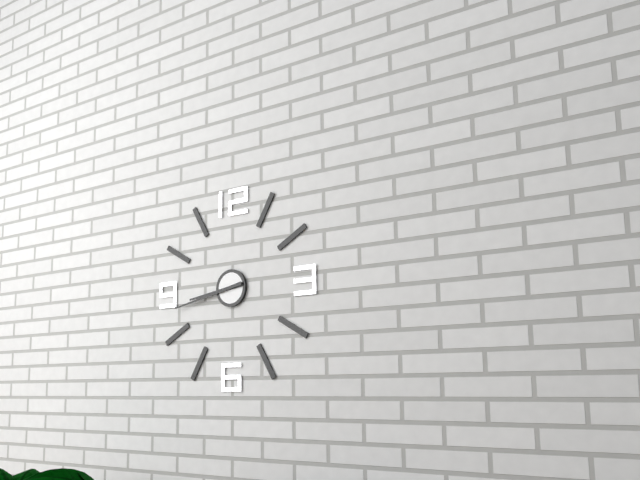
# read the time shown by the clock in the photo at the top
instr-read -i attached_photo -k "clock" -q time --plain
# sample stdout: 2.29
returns 8.43
